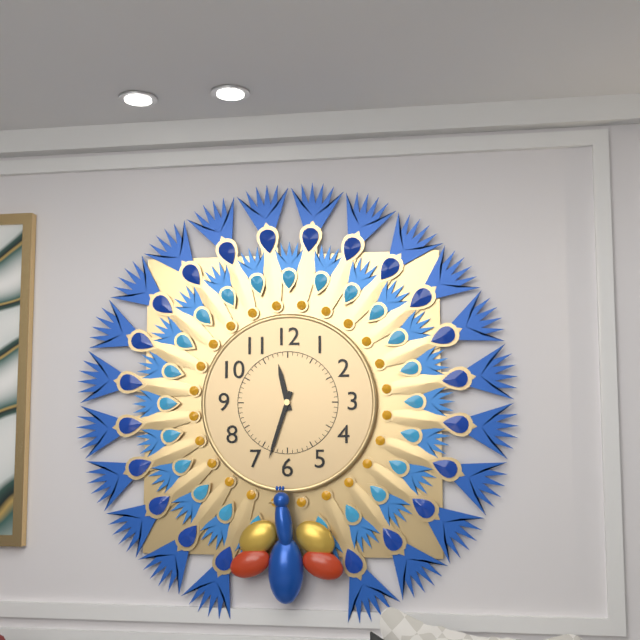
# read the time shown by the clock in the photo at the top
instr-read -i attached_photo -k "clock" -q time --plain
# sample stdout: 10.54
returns 11.33
